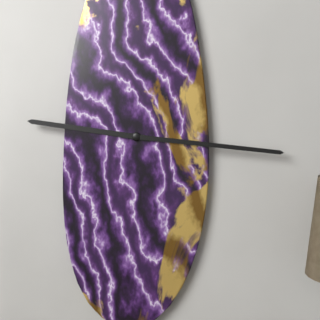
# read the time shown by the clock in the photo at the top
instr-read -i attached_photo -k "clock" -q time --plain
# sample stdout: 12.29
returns 9.16
